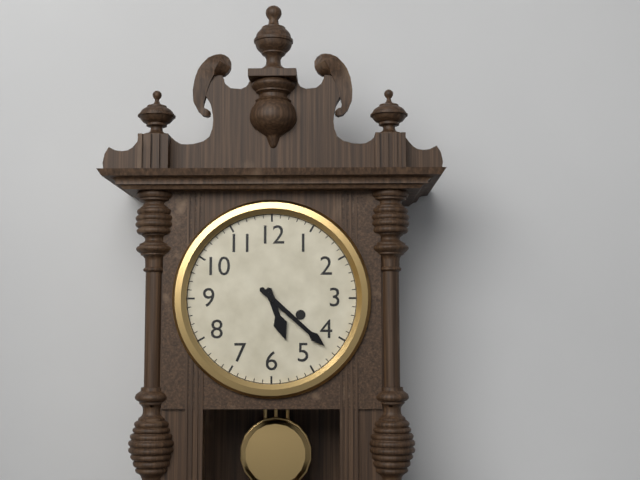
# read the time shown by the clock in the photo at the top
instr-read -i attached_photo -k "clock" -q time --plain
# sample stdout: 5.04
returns 5.22
